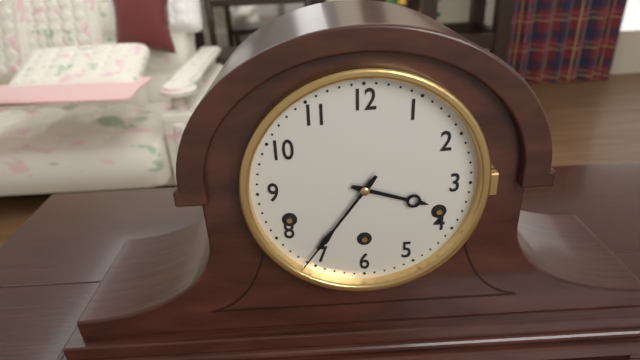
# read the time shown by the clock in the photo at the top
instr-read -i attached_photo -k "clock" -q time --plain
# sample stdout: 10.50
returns 3.36
